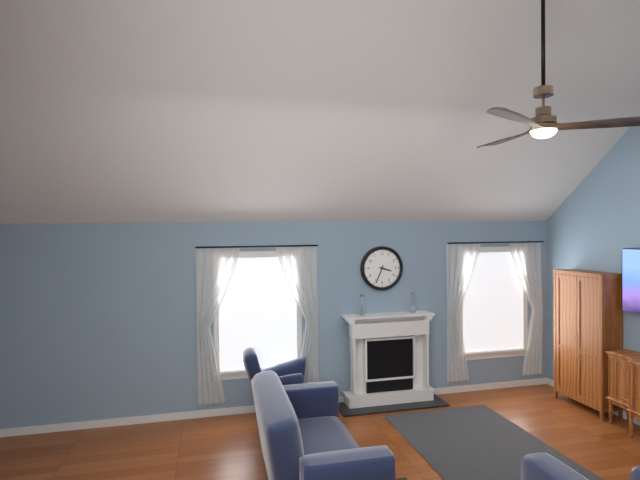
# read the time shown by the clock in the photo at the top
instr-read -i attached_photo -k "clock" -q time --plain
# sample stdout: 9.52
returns 3.34
